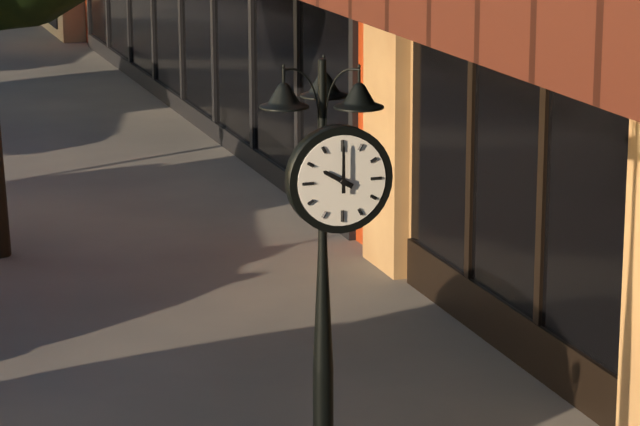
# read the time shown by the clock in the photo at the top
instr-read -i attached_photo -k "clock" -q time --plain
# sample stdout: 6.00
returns 10.00
